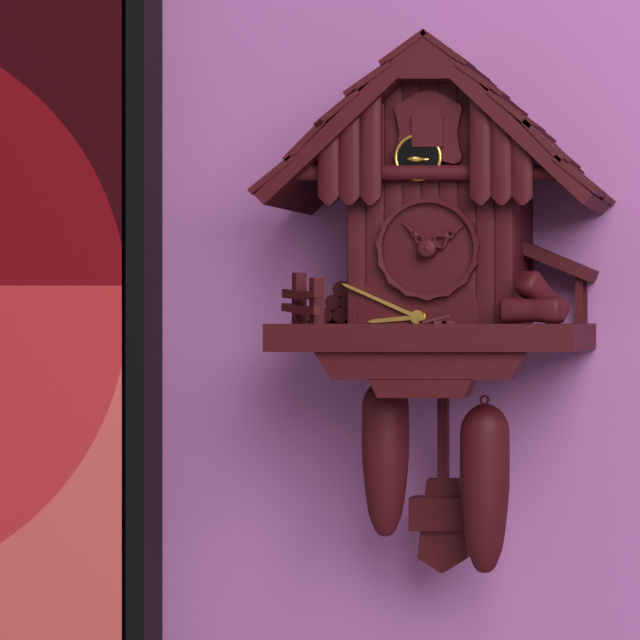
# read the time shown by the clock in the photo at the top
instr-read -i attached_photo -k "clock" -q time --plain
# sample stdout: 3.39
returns 8.49
